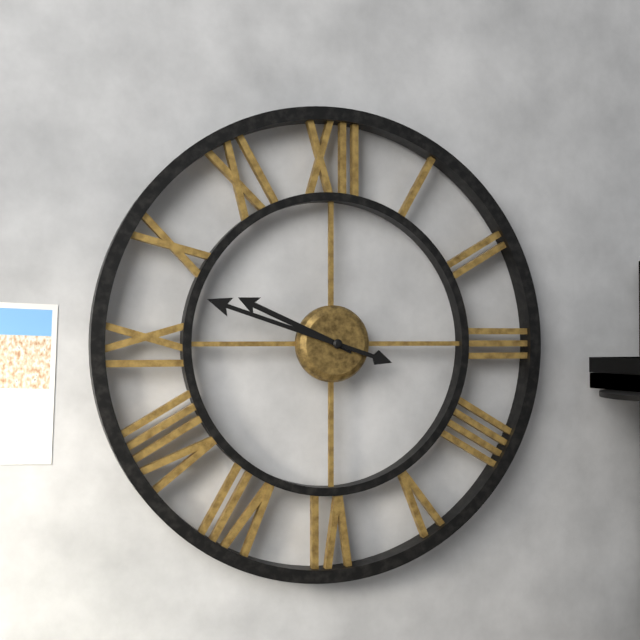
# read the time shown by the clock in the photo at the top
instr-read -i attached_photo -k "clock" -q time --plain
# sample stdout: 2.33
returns 9.48
